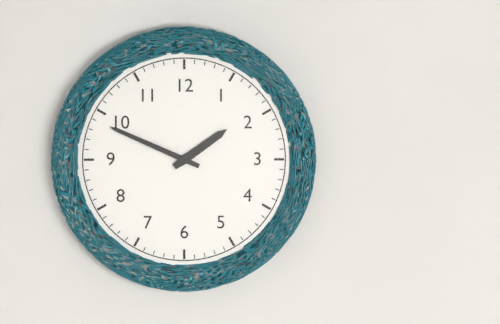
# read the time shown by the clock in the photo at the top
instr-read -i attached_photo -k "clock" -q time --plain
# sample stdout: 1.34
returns 1.49
